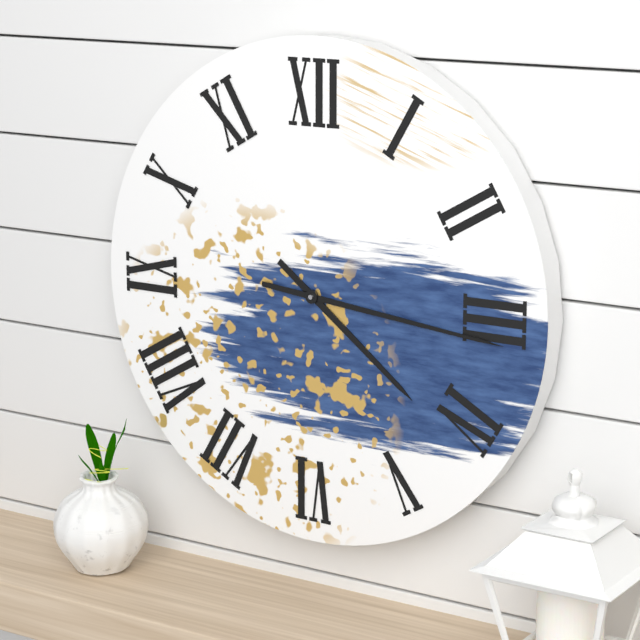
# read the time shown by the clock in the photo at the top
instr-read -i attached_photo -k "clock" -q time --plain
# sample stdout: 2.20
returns 4.16
